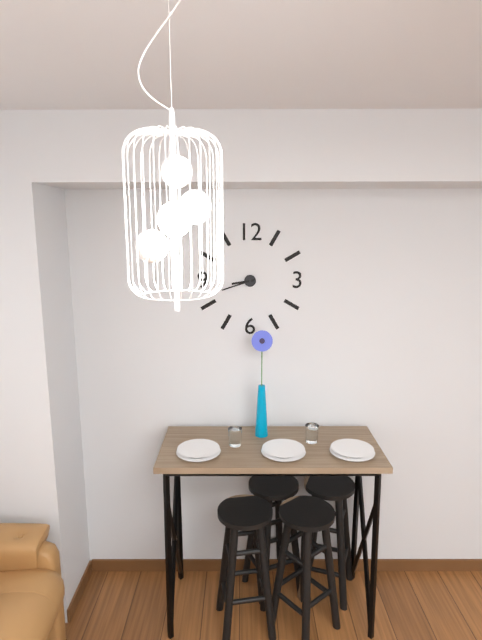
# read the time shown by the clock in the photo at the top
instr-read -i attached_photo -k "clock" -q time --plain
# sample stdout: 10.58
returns 8.42
